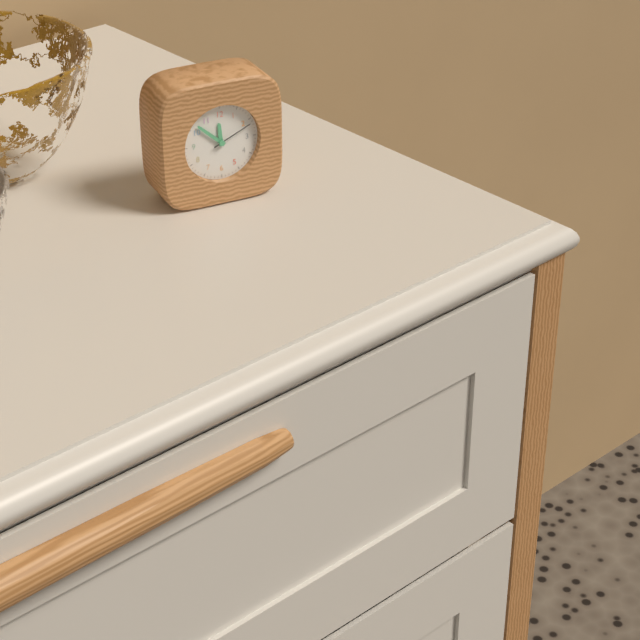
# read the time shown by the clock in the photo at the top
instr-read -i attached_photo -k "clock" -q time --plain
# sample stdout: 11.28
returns 11.52
